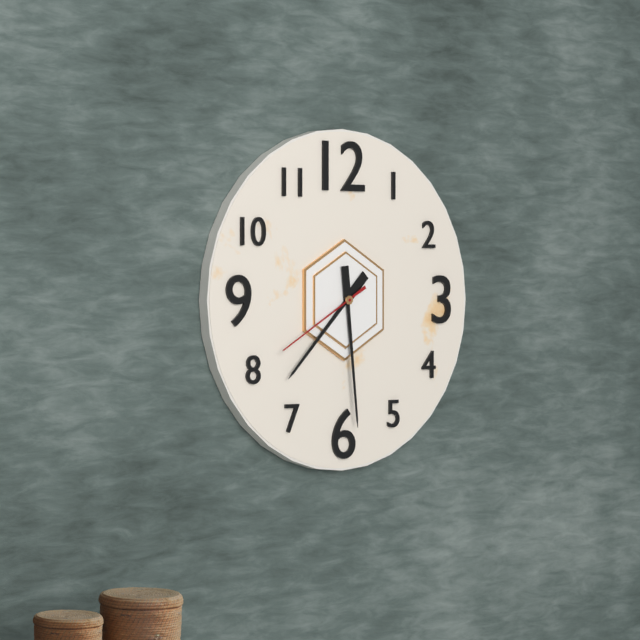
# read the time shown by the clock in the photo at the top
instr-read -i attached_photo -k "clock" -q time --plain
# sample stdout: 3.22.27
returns 7.29.40
